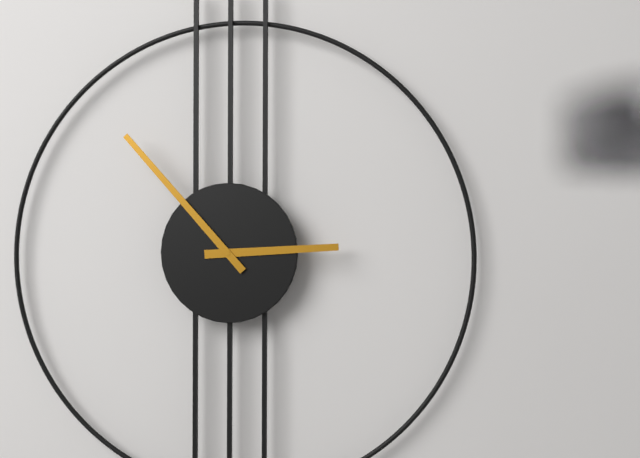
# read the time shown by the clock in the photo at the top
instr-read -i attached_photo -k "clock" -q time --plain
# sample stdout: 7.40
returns 2.53
